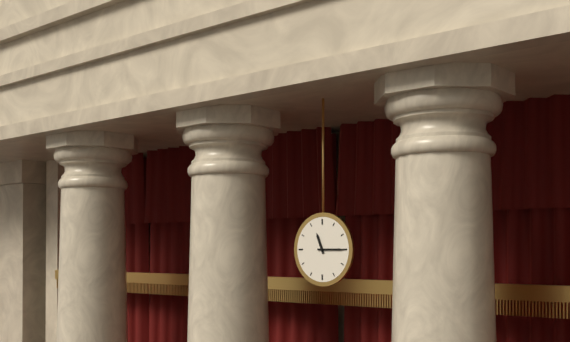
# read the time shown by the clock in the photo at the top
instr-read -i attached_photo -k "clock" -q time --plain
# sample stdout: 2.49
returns 11.15
